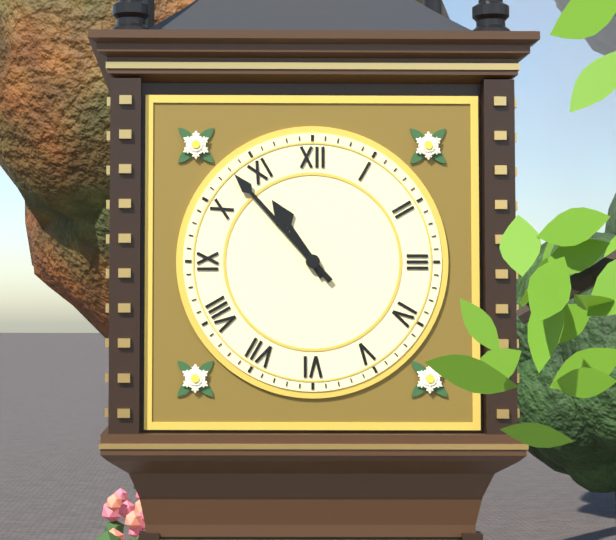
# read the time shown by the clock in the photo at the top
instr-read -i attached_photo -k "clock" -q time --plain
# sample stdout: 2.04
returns 10.53
